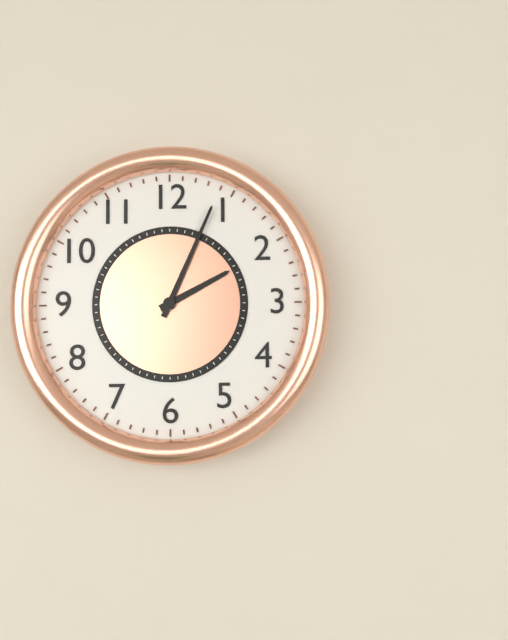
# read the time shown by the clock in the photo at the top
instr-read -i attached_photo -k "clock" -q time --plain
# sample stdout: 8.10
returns 2.04
